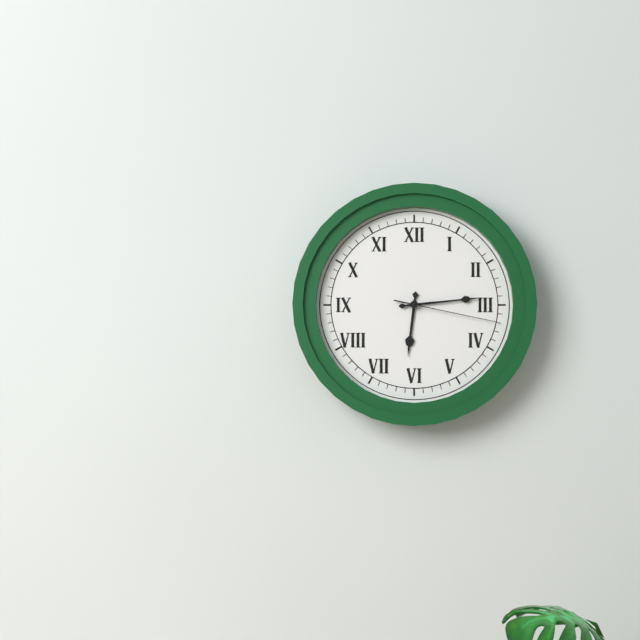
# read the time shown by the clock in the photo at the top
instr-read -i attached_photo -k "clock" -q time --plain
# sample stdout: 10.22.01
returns 6.14.17
